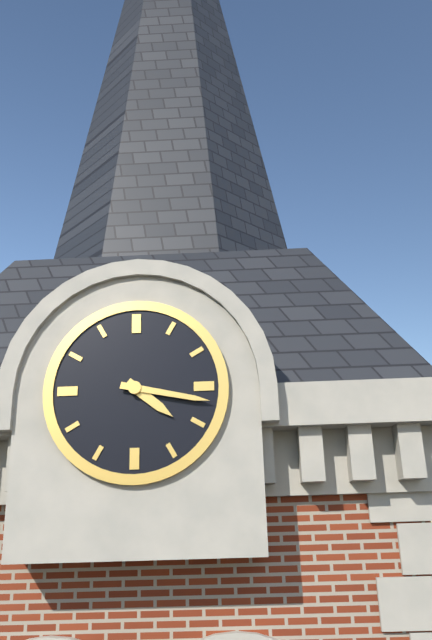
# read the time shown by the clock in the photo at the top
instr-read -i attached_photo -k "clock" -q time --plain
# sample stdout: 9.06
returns 4.17
